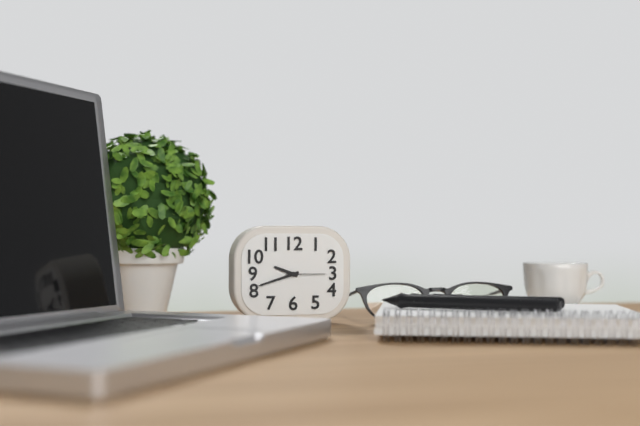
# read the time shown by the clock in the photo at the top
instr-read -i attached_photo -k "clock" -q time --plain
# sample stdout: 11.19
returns 9.42
